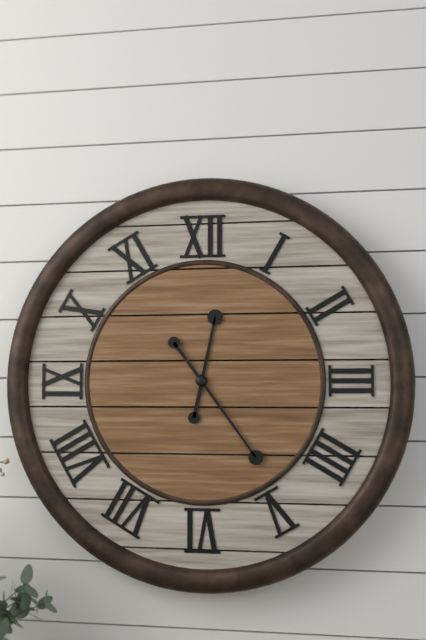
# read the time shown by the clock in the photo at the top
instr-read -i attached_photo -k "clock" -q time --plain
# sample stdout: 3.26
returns 12.24
